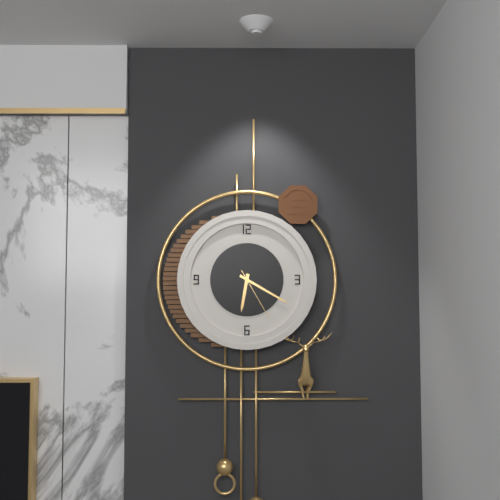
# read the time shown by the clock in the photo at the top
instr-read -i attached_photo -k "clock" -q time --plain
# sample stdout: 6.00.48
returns 6.20.25
